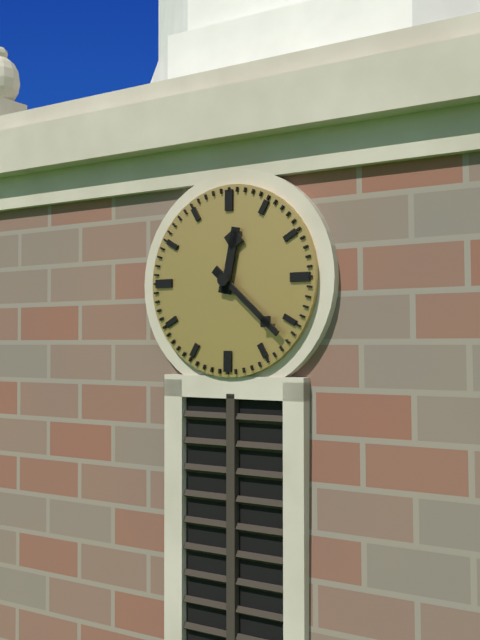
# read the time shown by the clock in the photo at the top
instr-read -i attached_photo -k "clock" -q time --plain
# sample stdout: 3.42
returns 12.22
